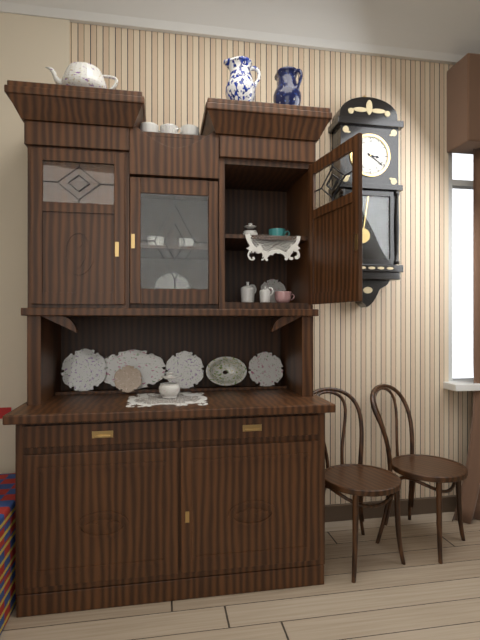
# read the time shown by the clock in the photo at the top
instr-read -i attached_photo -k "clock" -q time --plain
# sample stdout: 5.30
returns 3.21
